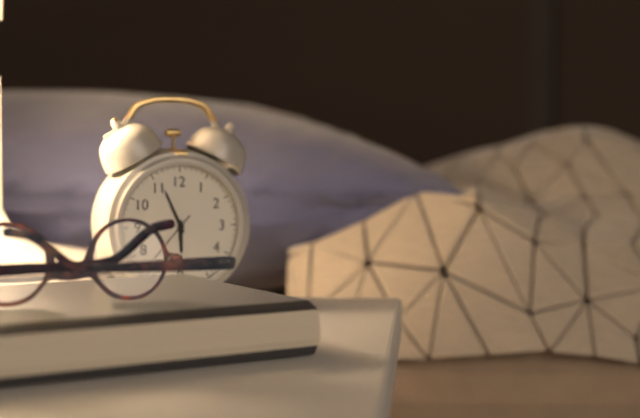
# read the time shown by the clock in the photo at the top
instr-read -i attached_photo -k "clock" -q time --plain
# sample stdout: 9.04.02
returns 5.56.37
